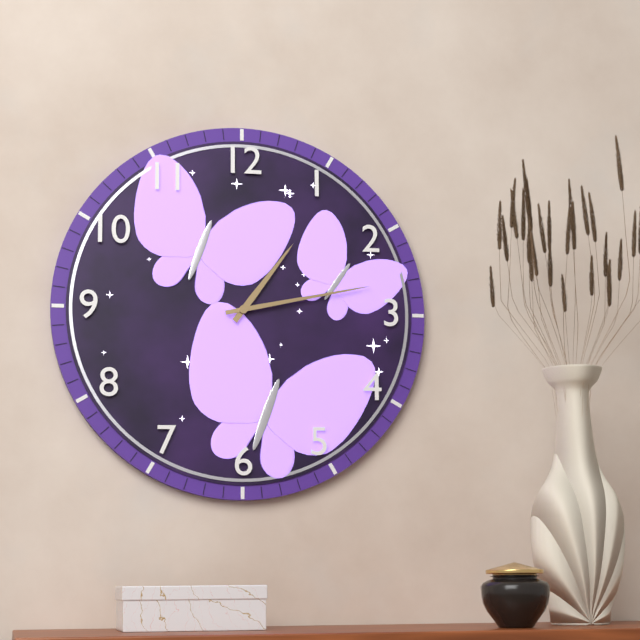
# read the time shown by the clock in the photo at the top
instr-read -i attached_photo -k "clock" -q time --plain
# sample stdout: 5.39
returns 1.13
